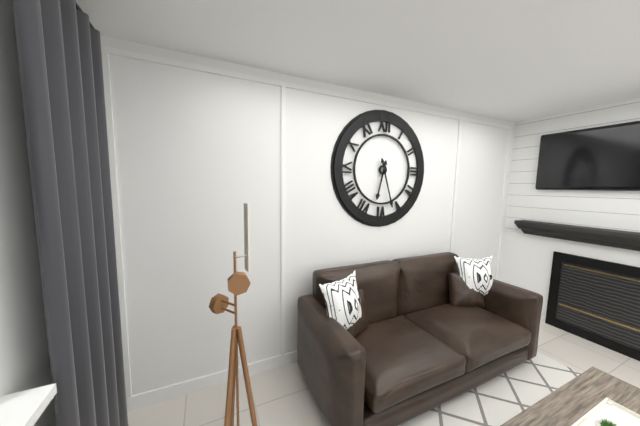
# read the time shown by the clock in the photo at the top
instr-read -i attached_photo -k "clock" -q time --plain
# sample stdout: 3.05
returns 6.27
